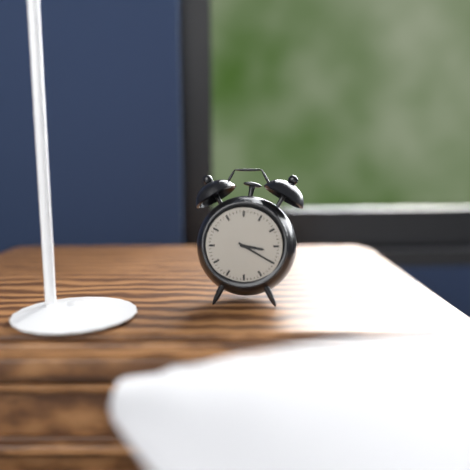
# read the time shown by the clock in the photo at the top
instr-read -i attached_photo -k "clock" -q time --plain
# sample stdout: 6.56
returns 3.20
